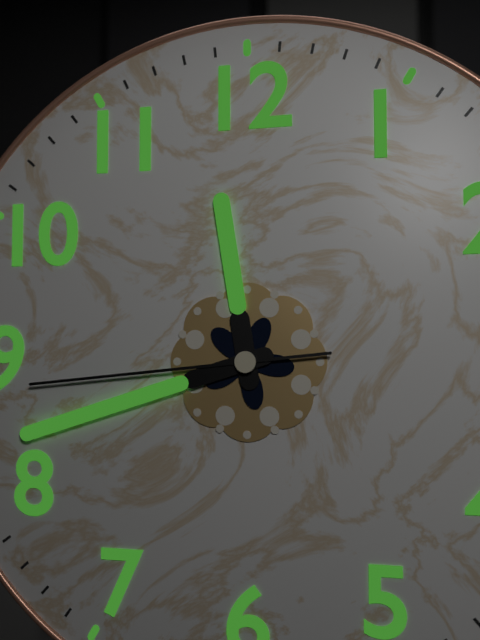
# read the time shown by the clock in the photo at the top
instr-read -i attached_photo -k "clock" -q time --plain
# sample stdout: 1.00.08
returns 11.42.44
